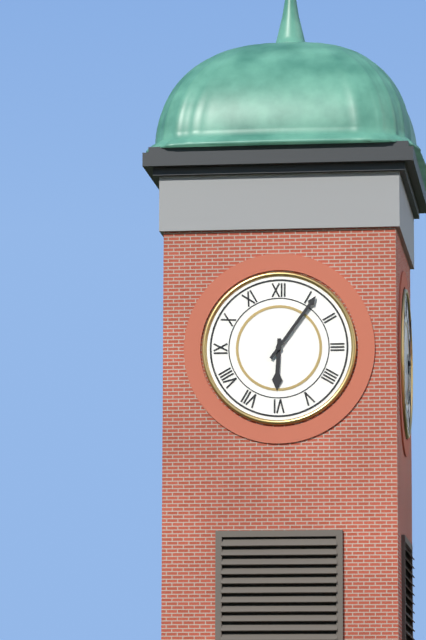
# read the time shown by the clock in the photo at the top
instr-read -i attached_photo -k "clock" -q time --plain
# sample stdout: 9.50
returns 6.06
